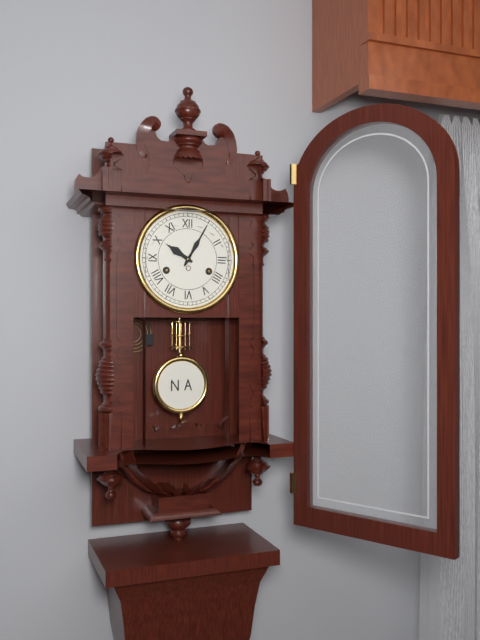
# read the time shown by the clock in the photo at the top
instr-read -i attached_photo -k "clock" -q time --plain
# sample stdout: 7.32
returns 10.05
